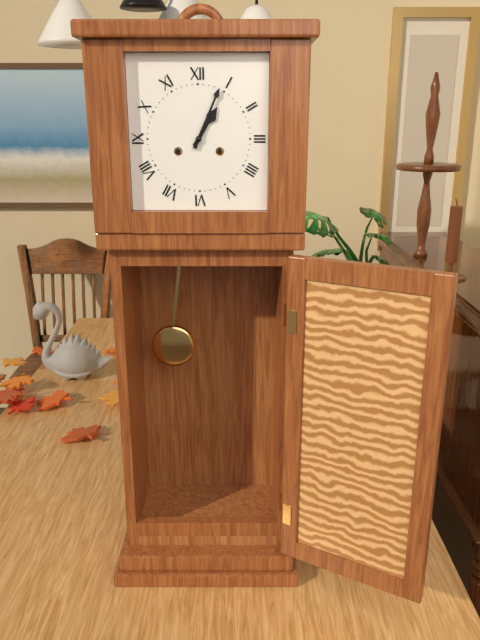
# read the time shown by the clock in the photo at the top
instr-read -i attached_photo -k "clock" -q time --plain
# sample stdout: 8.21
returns 1.04
